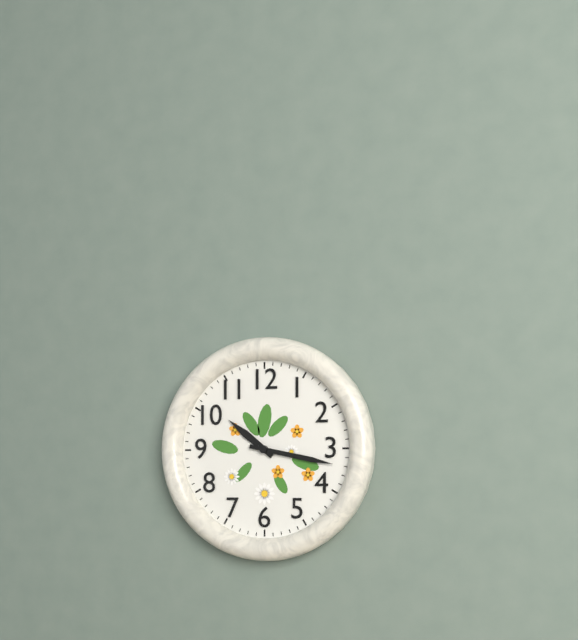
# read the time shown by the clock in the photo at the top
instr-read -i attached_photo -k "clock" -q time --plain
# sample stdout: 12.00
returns 10.17
